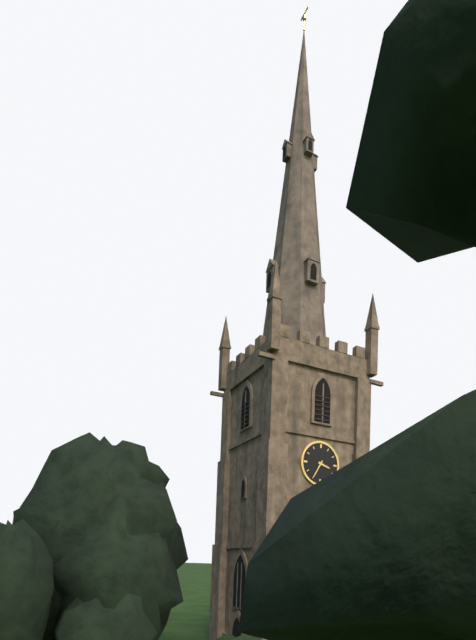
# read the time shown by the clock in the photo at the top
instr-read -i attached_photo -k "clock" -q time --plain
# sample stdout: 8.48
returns 3.35
